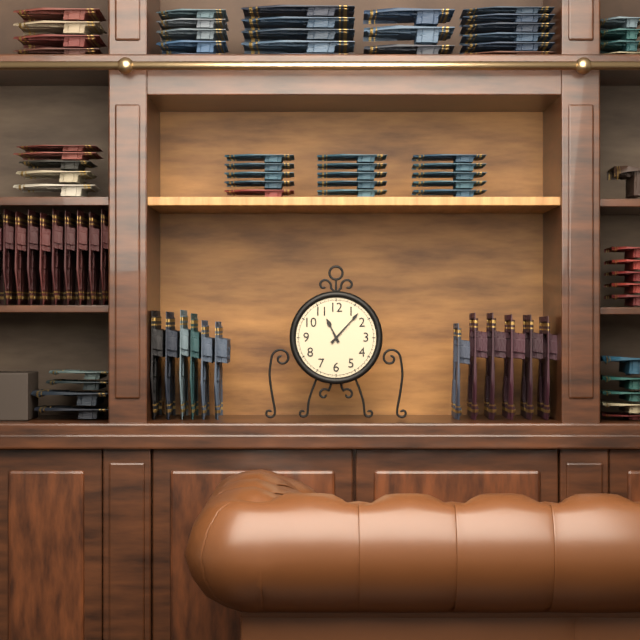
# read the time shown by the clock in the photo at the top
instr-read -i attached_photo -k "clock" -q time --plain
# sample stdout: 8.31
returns 11.07
